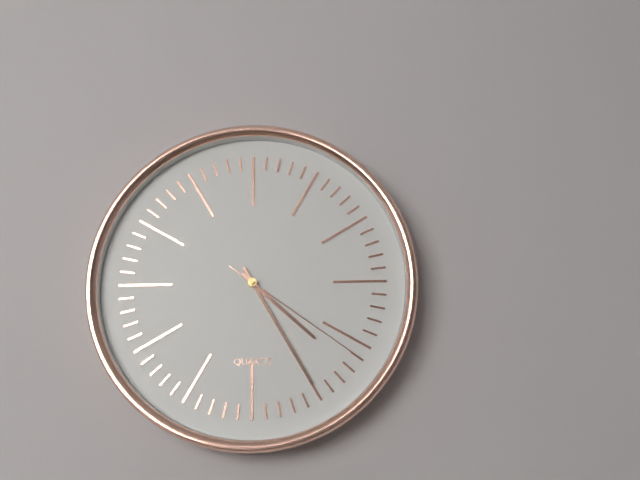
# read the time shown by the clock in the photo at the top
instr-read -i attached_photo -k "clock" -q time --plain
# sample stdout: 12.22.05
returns 4.25.21
